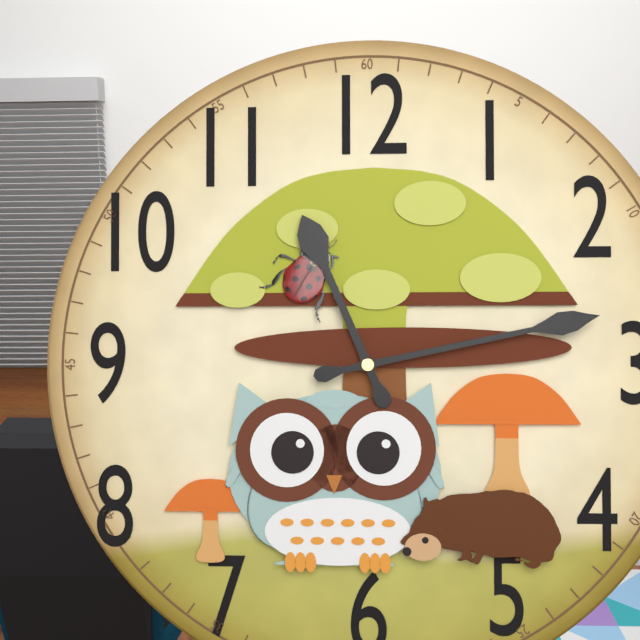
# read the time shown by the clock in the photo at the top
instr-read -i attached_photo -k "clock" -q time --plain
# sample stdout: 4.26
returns 11.13
